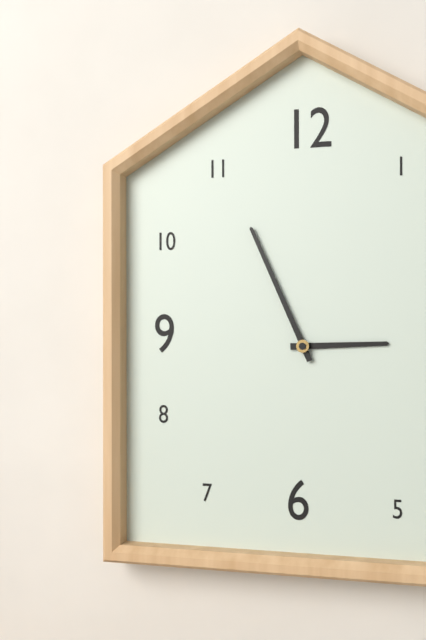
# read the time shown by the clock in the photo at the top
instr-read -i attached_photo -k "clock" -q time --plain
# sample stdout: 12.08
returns 2.56
